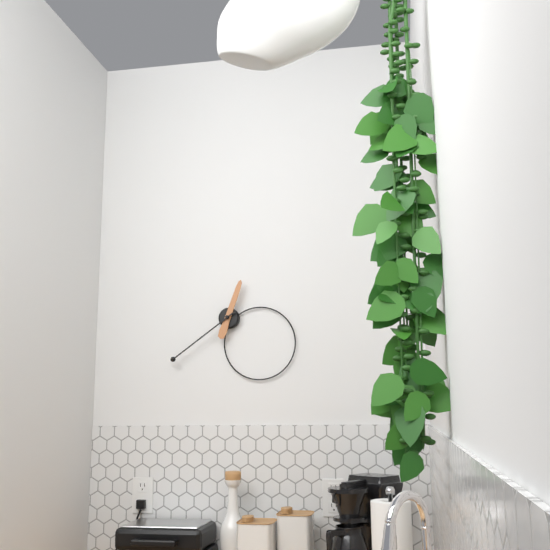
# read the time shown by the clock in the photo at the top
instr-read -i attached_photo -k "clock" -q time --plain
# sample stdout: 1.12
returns 12.39
